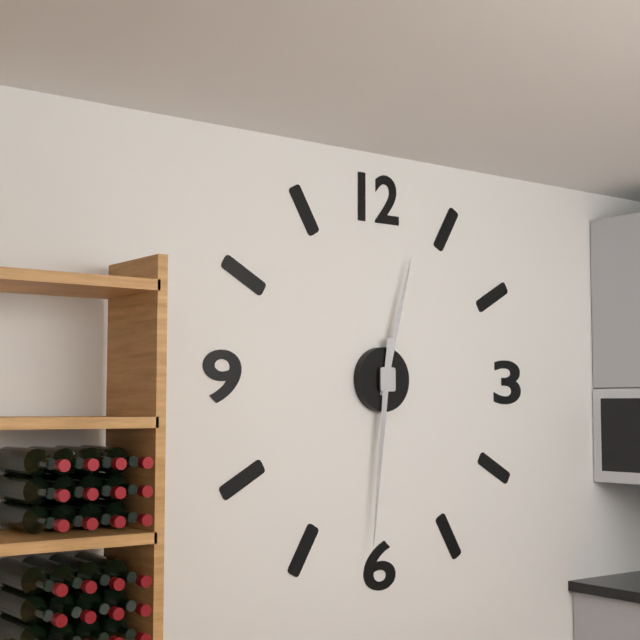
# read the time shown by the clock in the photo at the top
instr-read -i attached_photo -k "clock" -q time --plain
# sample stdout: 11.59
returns 12.31
